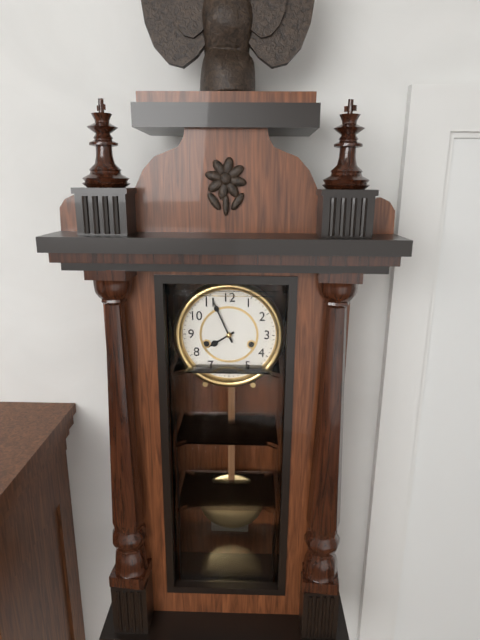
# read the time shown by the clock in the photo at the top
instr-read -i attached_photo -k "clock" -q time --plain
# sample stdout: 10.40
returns 7.56
